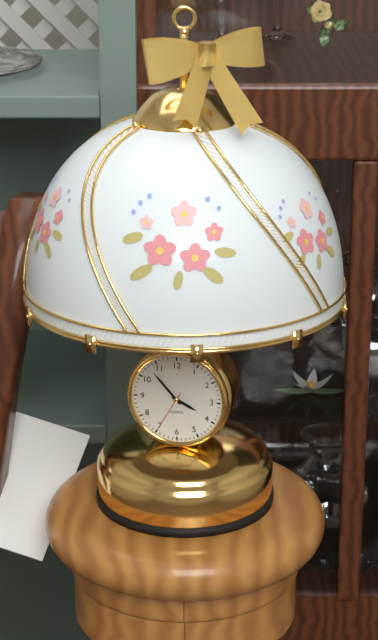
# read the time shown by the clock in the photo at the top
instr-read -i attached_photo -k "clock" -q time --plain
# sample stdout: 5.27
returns 3.53
